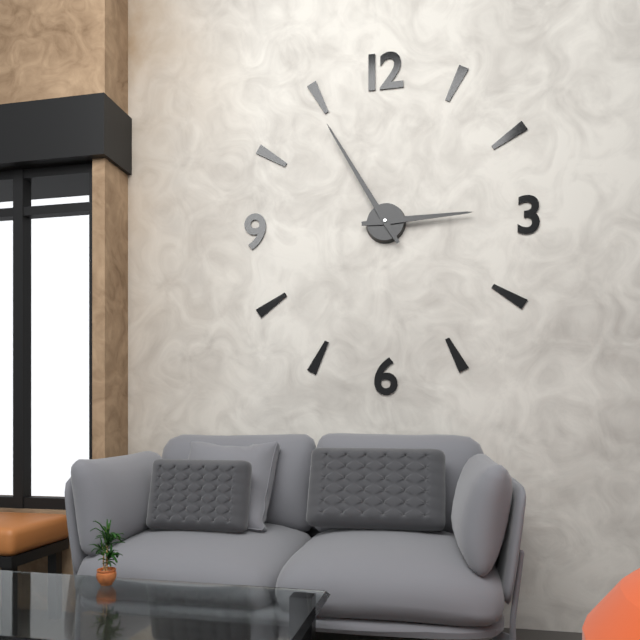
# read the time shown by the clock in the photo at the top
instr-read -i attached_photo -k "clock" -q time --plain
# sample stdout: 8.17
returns 2.55
